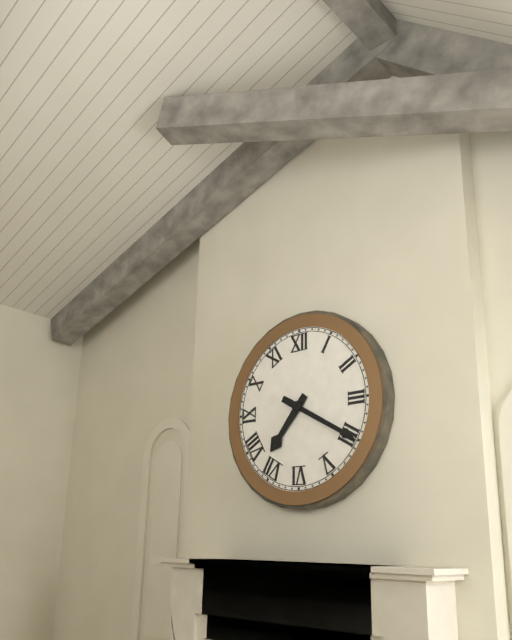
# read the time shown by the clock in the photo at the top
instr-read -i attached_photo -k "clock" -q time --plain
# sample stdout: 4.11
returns 7.20
